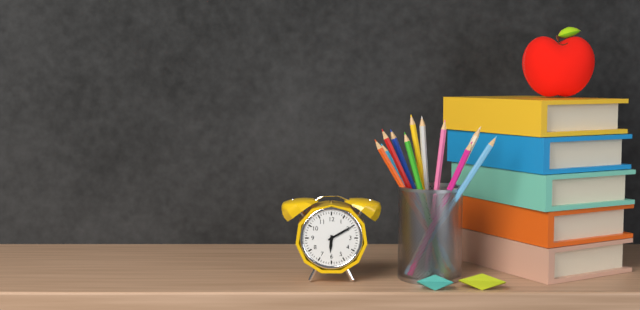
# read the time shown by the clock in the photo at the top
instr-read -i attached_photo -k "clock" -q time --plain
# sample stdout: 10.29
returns 6.10
